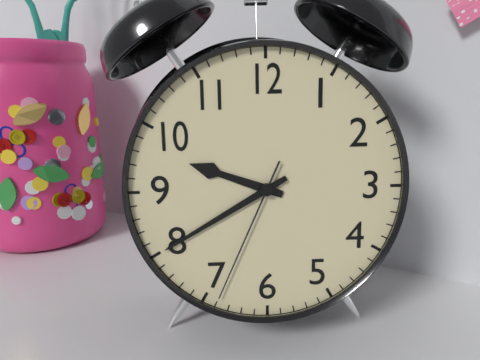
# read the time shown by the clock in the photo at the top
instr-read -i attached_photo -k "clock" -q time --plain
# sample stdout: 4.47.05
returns 9.40.34
